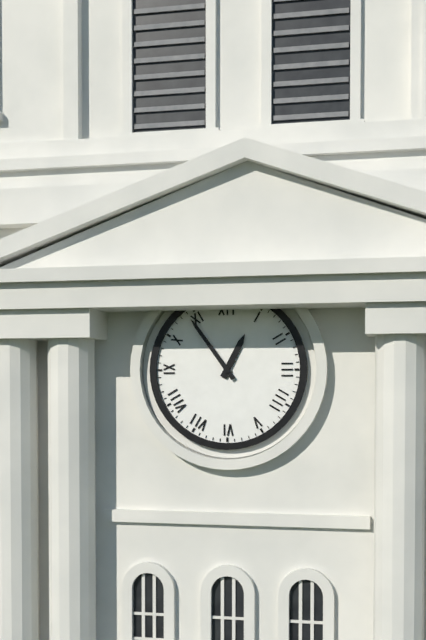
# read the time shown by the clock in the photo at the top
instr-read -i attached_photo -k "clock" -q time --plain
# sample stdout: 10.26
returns 12.54
